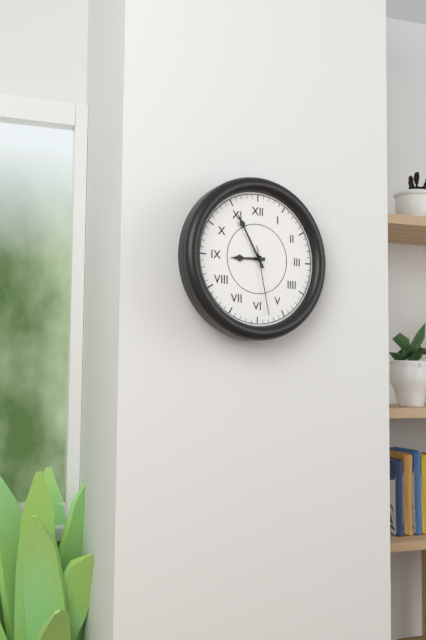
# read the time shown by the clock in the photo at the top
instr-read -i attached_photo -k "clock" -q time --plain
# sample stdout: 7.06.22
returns 8.55.28
